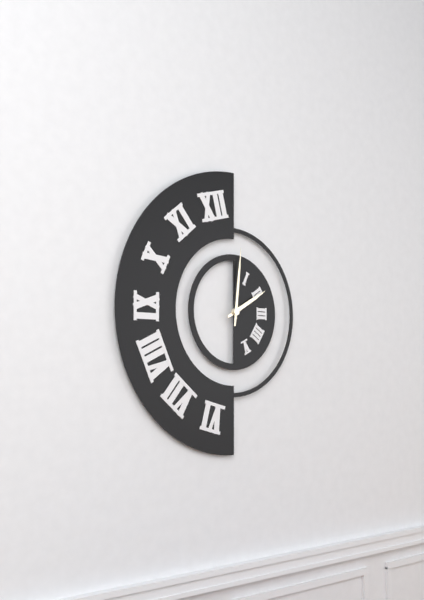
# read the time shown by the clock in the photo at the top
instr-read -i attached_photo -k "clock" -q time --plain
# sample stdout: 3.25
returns 2.01
